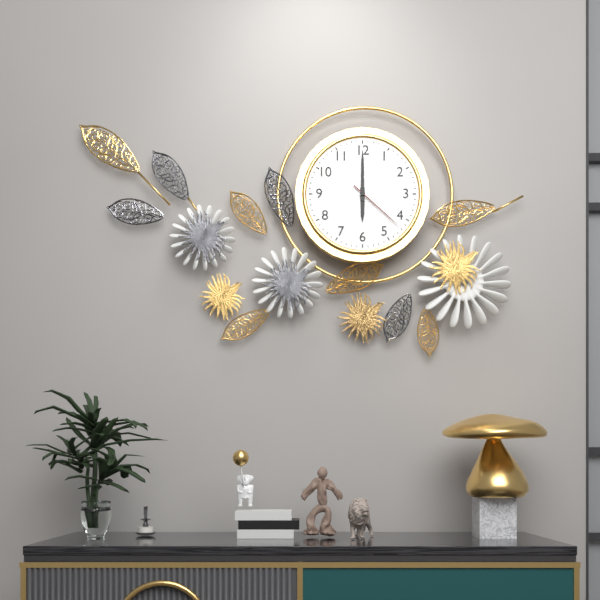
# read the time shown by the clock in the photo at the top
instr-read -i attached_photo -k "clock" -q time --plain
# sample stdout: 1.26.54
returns 6.00.22
